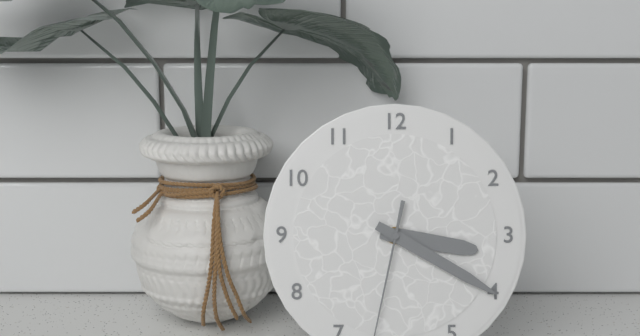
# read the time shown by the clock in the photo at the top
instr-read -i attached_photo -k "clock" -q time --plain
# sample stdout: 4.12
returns 3.20
